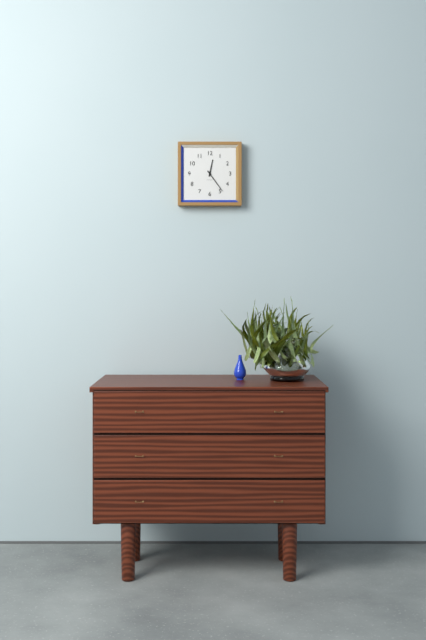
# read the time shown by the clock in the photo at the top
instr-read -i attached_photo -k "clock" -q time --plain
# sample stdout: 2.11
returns 12.24
